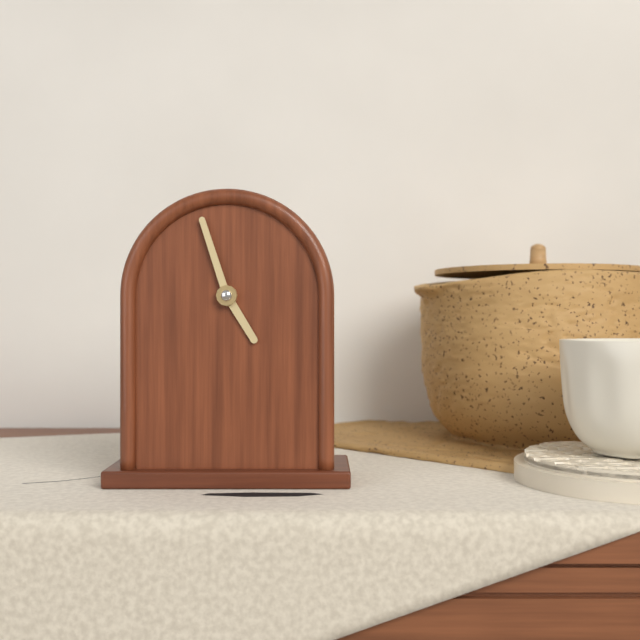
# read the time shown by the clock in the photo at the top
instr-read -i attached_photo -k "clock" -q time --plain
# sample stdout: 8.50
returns 4.57
